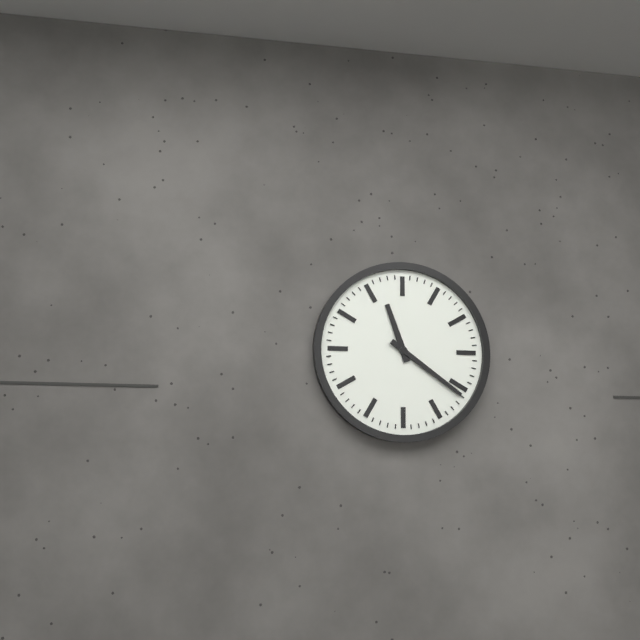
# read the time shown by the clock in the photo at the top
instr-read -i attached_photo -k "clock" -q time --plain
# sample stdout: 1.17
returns 11.21
